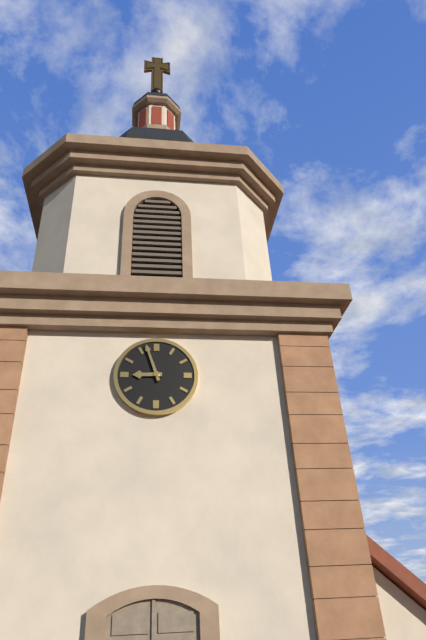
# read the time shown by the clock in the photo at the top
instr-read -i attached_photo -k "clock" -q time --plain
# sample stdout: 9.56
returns 8.57
